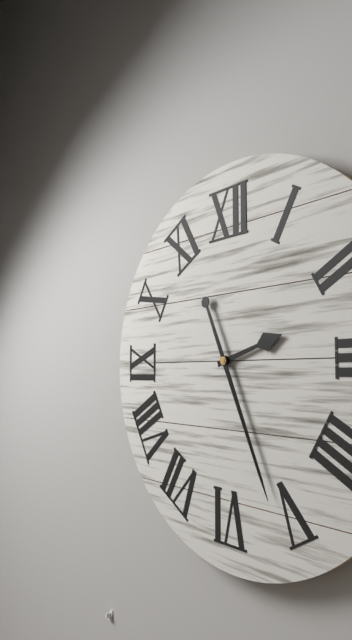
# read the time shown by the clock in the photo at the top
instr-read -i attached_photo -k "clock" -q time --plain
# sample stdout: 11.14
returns 2.26
